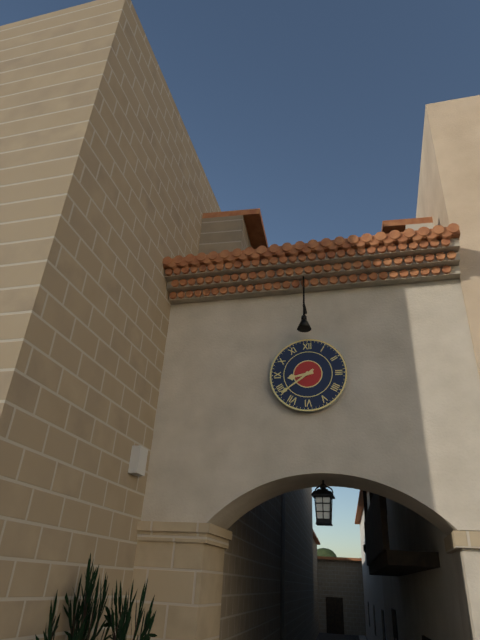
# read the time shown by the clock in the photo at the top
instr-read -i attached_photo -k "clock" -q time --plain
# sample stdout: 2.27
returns 8.39
